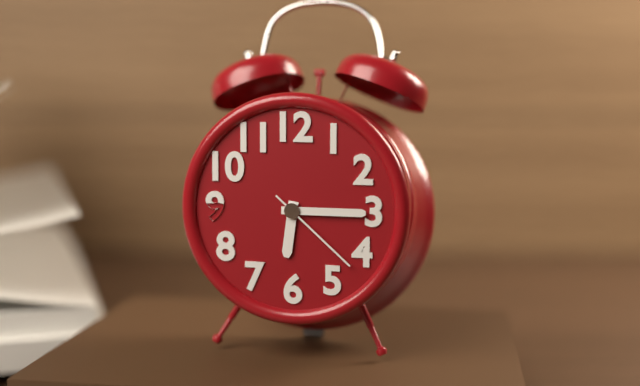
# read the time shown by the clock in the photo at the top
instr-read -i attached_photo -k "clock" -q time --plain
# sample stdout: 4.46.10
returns 6.15.22
